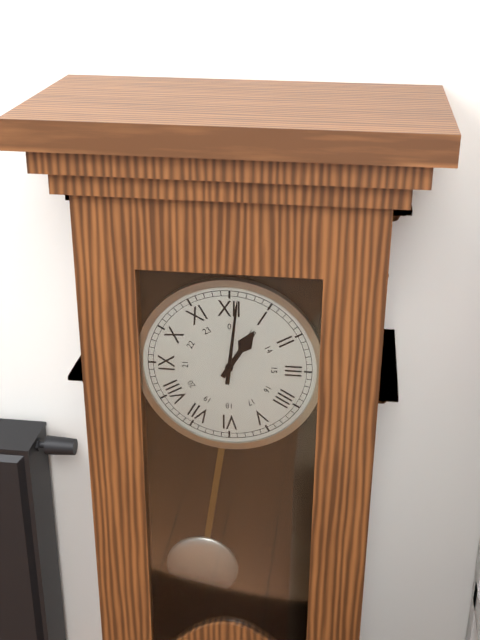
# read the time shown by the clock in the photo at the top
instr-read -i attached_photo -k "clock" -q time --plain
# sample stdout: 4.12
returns 1.01
